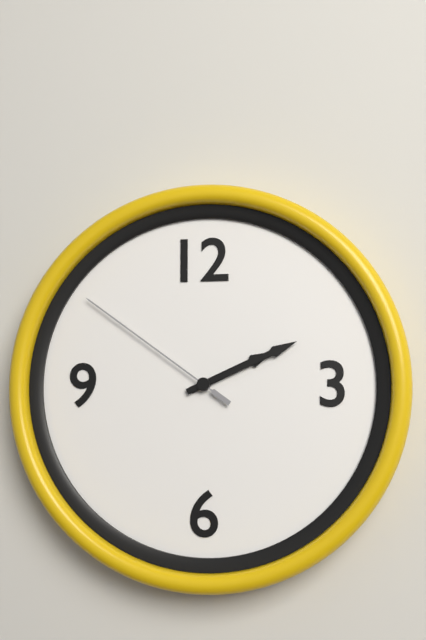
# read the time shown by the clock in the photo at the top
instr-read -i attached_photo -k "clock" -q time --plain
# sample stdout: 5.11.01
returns 2.11.51
